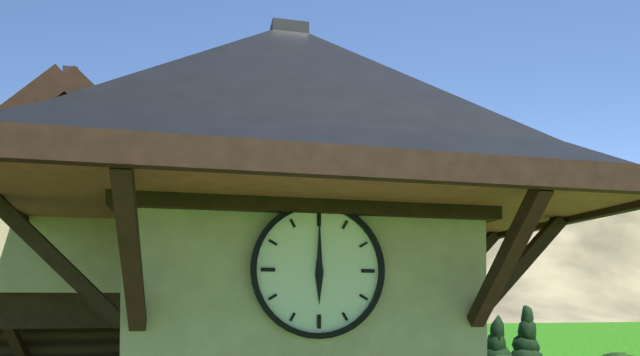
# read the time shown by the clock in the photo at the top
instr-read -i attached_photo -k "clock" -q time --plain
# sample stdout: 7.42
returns 6.00
